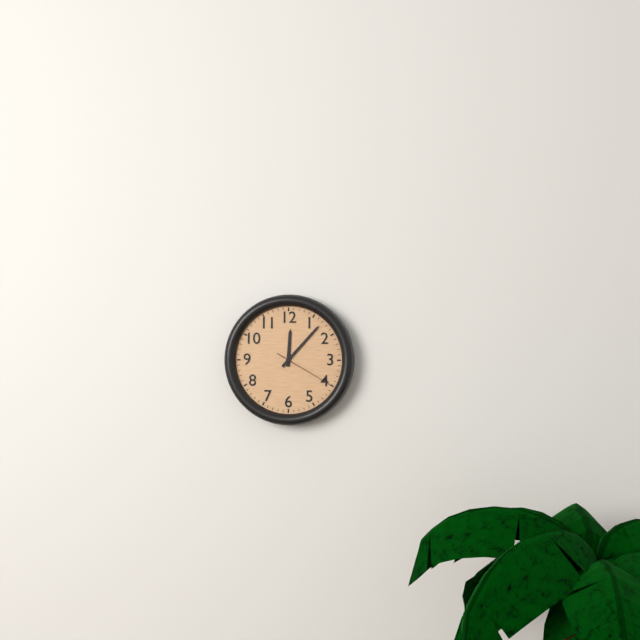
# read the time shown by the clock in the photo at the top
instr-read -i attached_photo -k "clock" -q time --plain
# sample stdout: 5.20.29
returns 12.07.20
